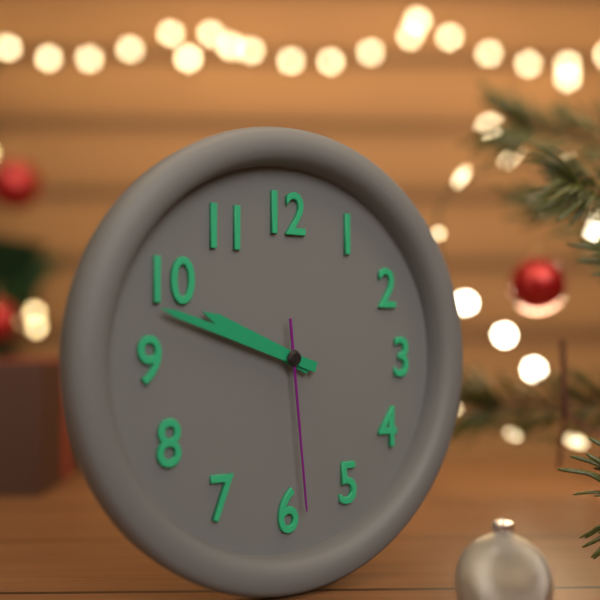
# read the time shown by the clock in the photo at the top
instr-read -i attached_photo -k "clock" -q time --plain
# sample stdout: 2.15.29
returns 9.48.29
